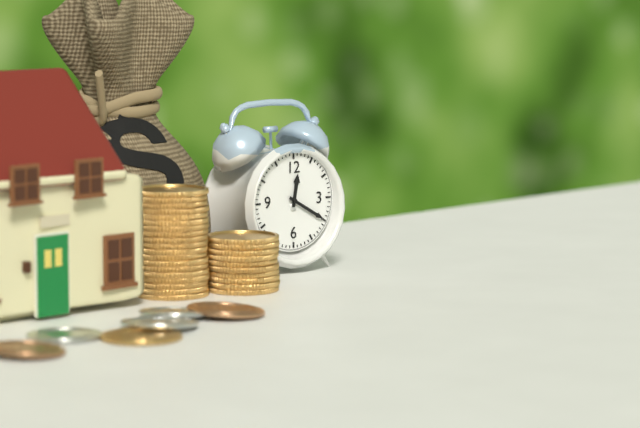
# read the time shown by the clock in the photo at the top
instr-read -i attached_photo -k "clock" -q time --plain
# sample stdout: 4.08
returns 12.20
